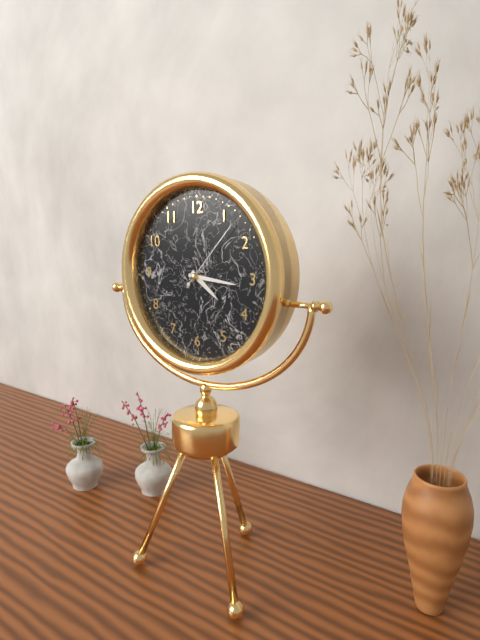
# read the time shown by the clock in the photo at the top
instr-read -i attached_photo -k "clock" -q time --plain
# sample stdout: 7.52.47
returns 4.16.07
